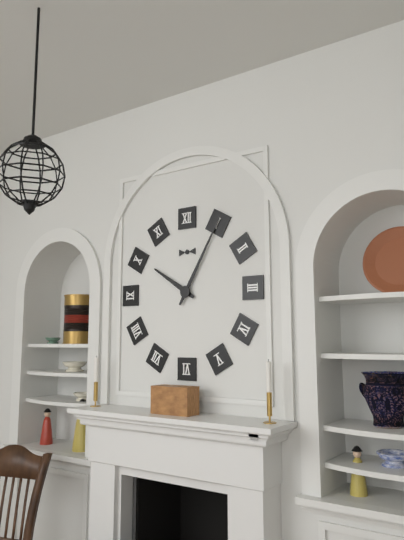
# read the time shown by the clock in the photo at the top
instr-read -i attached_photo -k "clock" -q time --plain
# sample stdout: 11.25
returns 10.05
